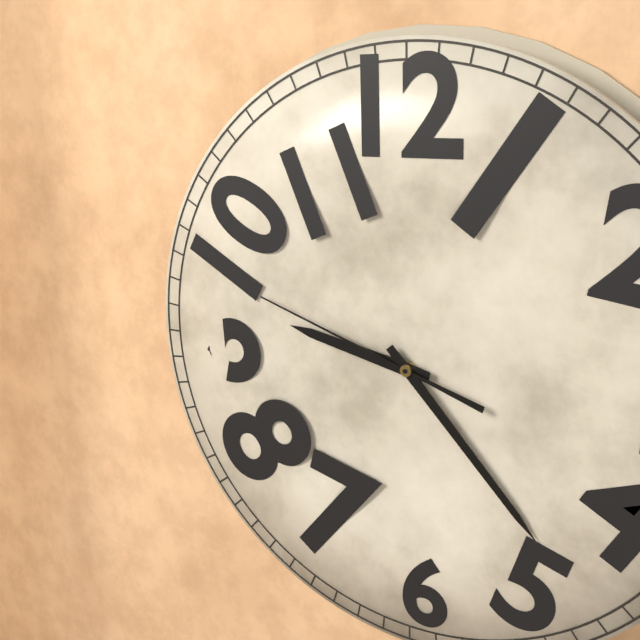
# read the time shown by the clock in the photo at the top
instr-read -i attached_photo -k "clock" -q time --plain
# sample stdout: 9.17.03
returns 9.23.48
